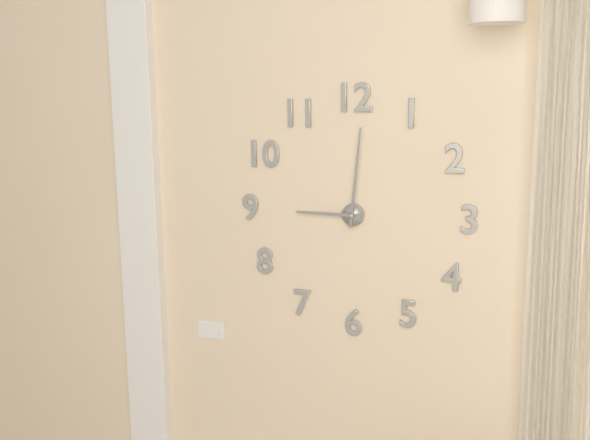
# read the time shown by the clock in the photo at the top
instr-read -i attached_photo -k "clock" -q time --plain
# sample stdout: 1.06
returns 9.01
